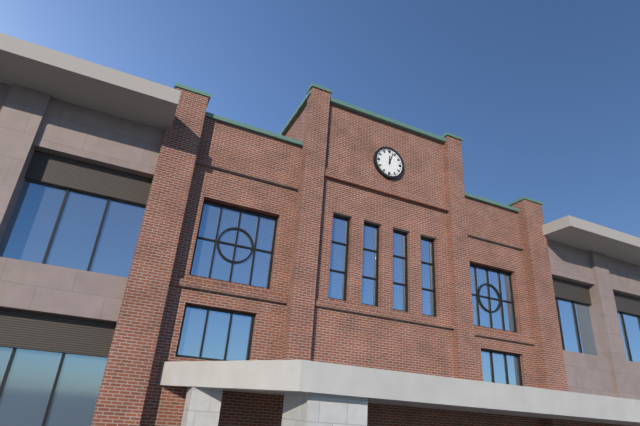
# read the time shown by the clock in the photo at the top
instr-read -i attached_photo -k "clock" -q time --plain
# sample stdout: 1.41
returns 12.03
